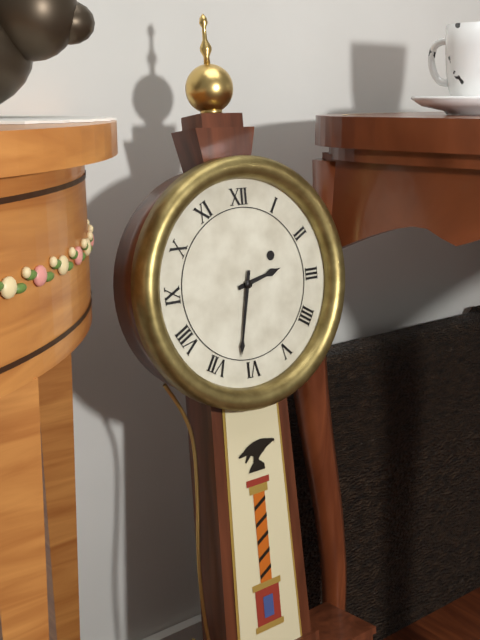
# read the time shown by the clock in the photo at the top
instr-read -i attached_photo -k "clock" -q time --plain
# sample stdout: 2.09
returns 2.32
